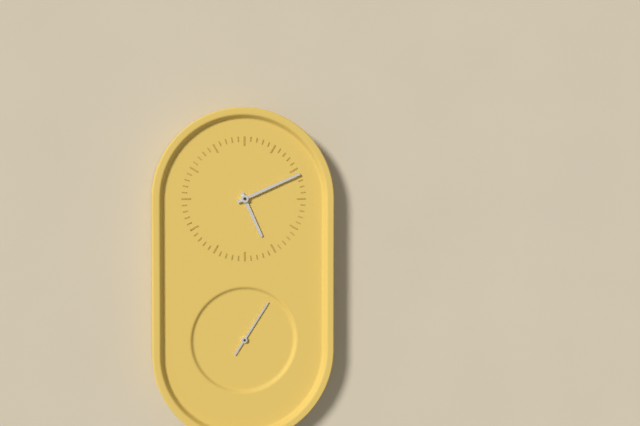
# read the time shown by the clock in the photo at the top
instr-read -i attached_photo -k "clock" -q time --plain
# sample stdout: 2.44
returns 5.11
